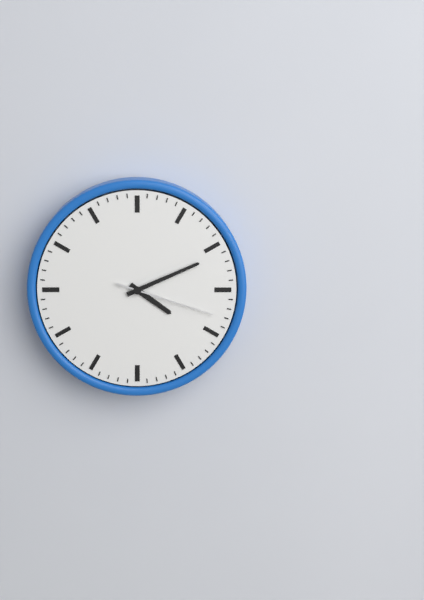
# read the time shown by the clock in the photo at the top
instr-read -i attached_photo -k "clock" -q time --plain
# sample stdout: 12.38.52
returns 4.11.18
